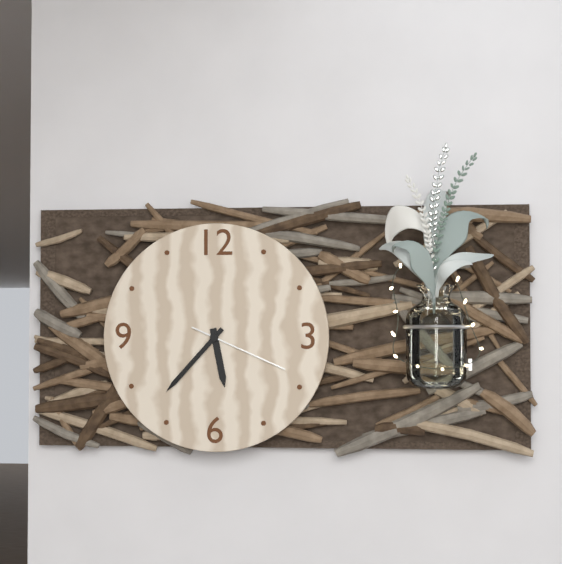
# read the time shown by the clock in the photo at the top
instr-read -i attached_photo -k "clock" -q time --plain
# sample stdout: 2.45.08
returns 5.37.19
